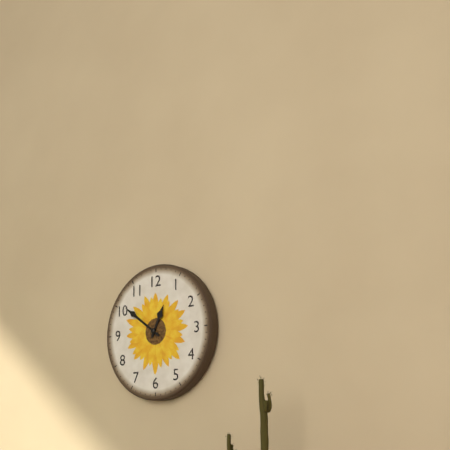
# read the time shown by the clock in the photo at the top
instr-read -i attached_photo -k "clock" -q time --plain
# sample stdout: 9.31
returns 12.51
